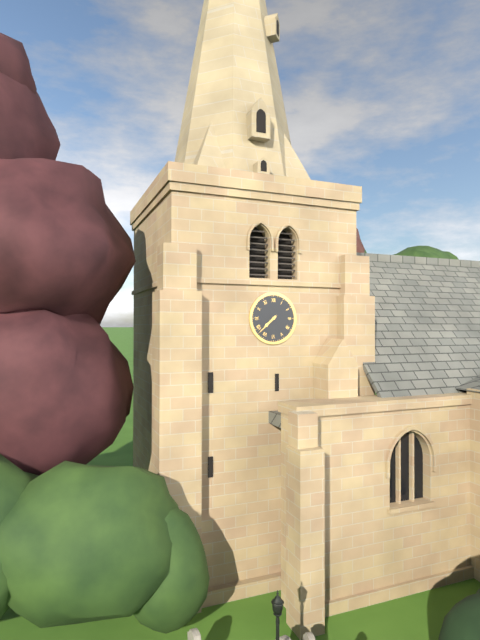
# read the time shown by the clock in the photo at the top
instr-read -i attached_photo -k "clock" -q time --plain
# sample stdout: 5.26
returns 7.38
